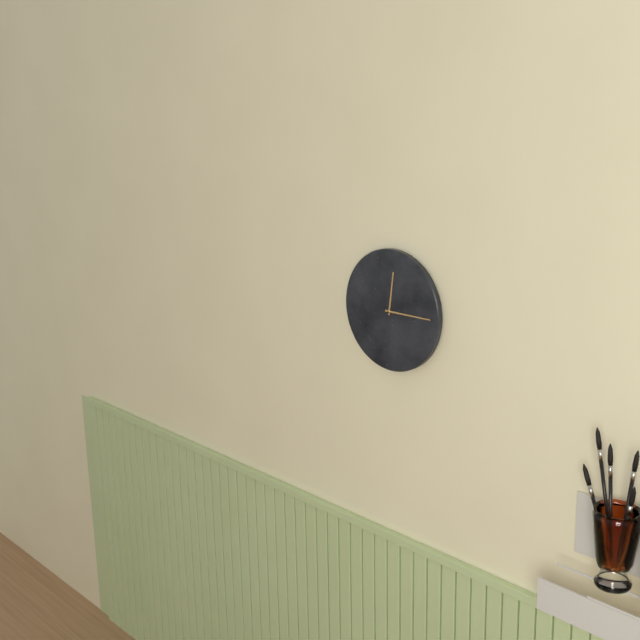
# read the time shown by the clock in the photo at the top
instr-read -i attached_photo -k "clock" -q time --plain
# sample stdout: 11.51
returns 12.15
